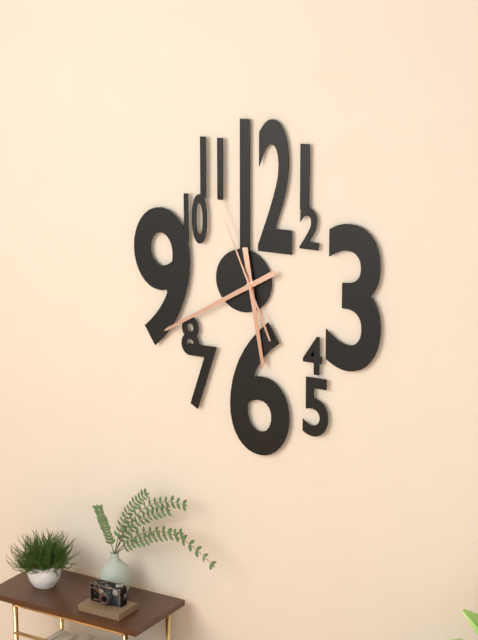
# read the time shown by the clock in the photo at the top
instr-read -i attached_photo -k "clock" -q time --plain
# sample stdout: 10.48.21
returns 5.40.56
